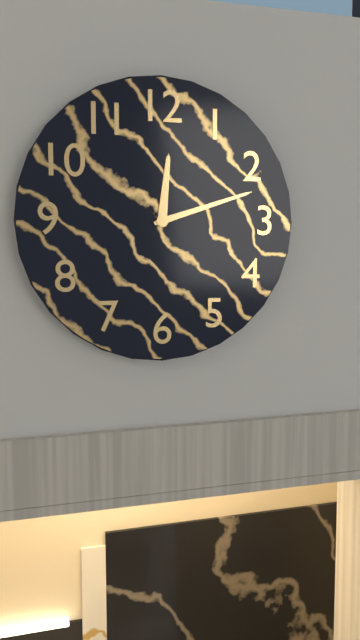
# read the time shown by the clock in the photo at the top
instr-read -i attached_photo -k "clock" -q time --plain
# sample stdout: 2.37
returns 12.12
